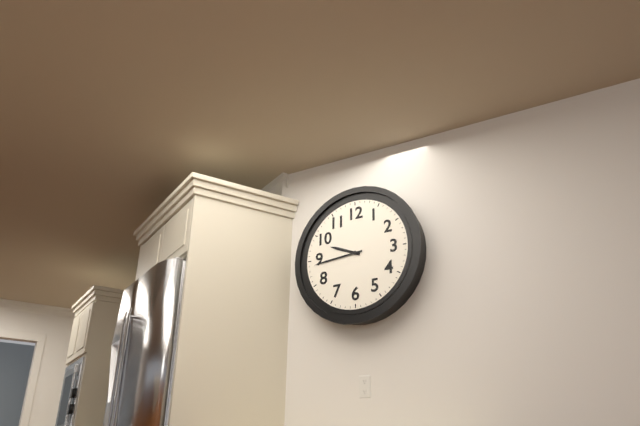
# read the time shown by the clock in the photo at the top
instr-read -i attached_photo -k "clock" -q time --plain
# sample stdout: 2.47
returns 9.44
